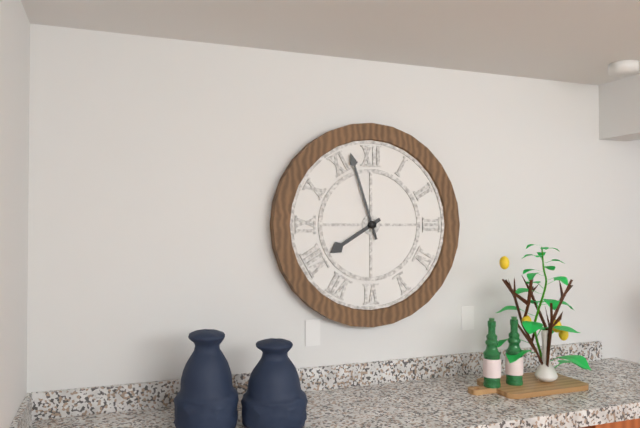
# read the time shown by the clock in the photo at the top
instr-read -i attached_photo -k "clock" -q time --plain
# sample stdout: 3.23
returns 7.57
